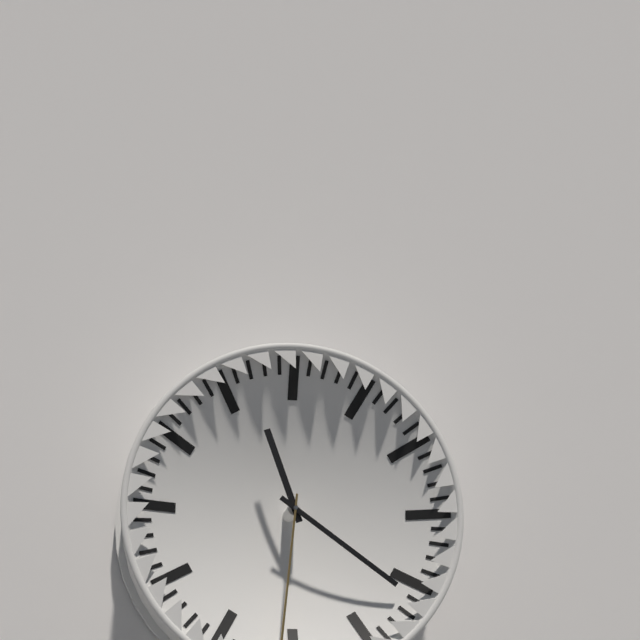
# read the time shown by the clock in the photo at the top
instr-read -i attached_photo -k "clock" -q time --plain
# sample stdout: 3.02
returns 11.21
